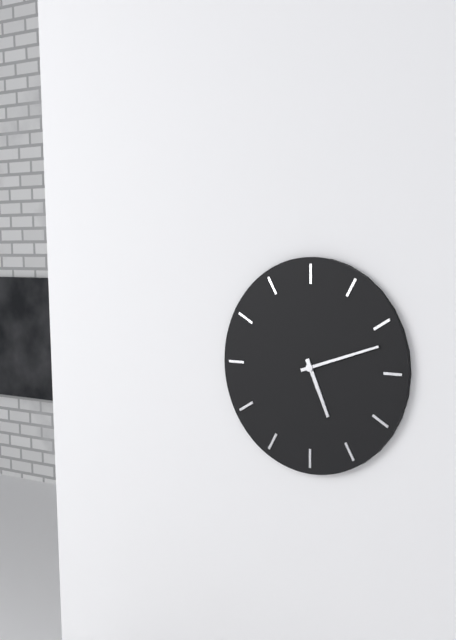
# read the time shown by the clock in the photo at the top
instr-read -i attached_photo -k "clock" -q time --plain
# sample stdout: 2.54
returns 5.12
